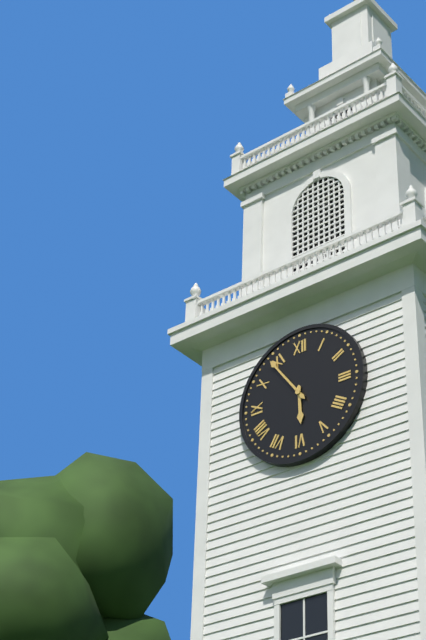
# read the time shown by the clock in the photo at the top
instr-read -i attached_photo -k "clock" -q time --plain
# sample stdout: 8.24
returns 5.54
